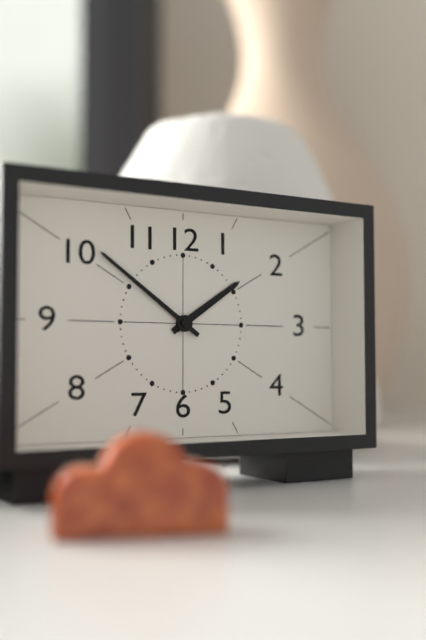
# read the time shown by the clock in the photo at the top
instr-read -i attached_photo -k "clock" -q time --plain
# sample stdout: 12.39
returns 1.51
